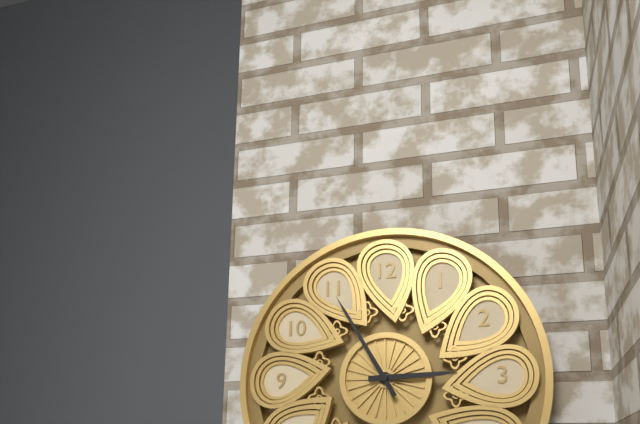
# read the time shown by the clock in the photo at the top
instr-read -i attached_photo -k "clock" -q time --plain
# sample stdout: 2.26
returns 2.55
